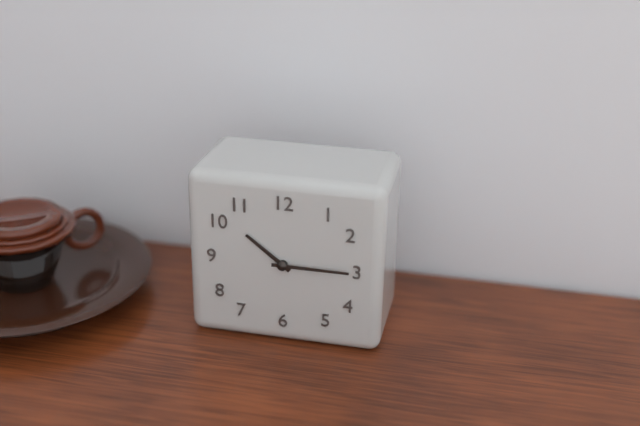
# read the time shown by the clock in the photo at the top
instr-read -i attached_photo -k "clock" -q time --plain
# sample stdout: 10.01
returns 10.15
